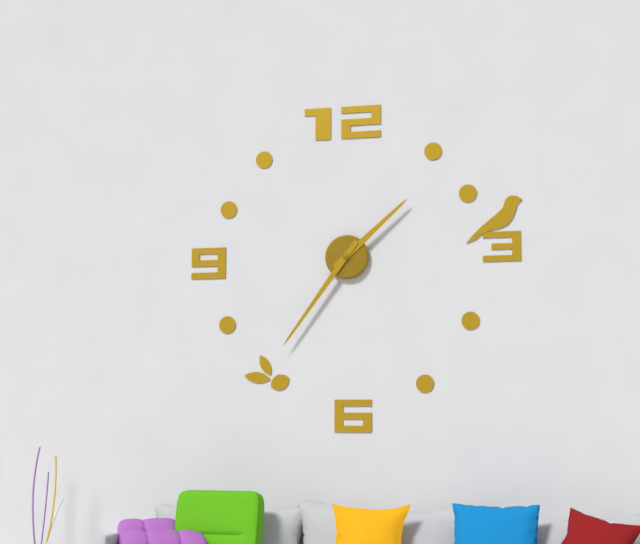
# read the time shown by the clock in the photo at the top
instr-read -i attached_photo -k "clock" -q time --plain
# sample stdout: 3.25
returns 1.36
